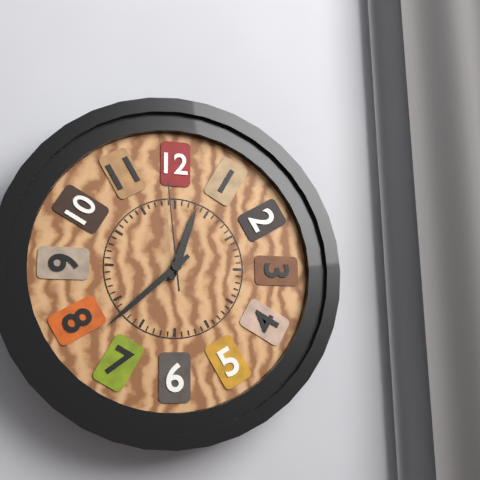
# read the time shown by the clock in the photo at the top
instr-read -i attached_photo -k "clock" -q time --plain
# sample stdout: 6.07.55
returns 12.38.59
